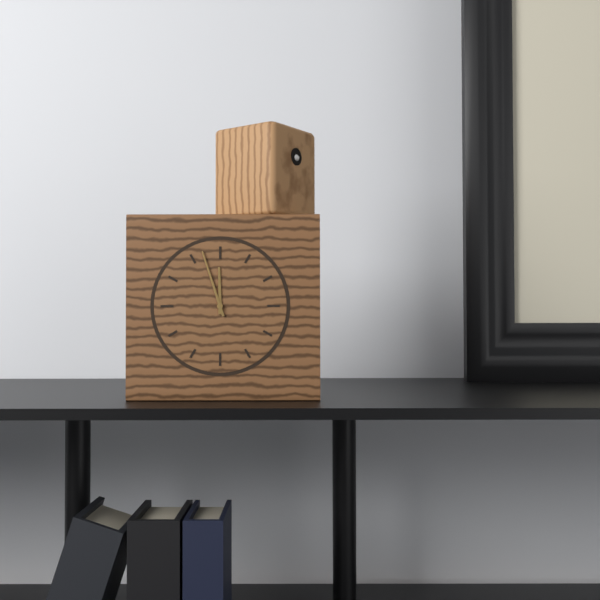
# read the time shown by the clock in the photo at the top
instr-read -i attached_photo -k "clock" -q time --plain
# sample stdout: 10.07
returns 11.57
